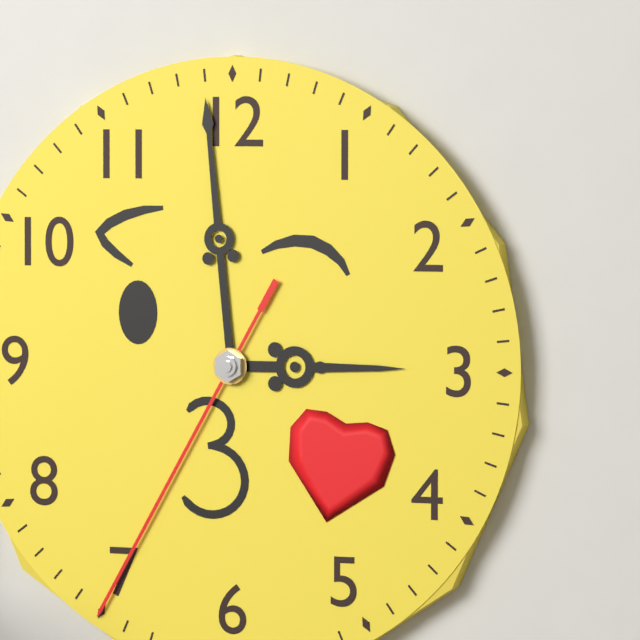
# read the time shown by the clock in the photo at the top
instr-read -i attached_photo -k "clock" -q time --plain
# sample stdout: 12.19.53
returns 2.59.35
